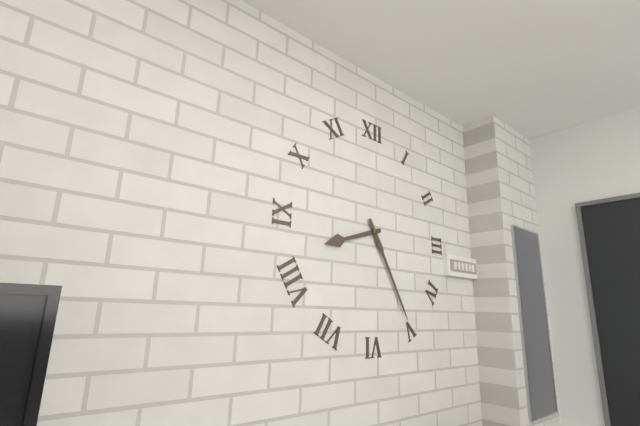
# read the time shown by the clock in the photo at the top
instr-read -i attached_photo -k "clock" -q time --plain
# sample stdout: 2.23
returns 8.25
